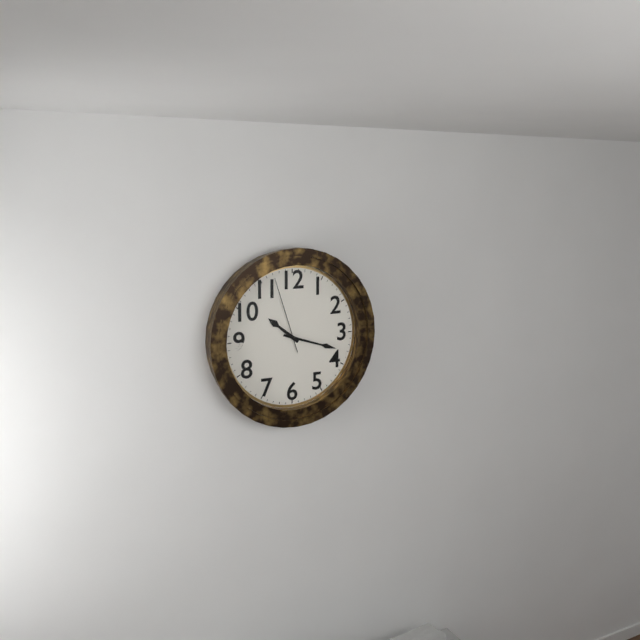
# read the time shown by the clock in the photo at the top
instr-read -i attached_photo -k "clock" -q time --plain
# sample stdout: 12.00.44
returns 10.18.57
